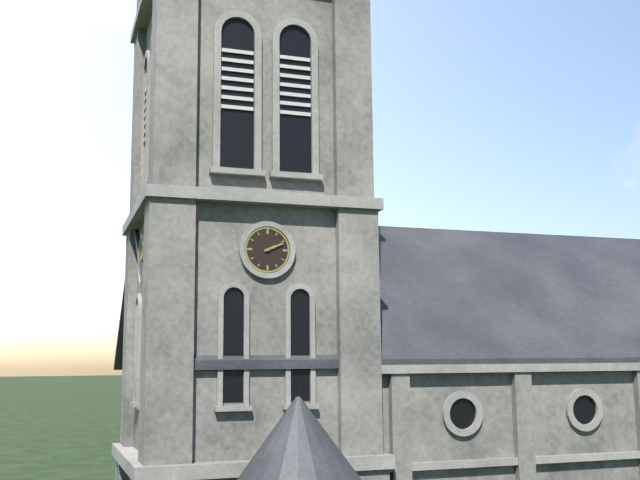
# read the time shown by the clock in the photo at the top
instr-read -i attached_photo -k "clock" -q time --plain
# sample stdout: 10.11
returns 2.11
